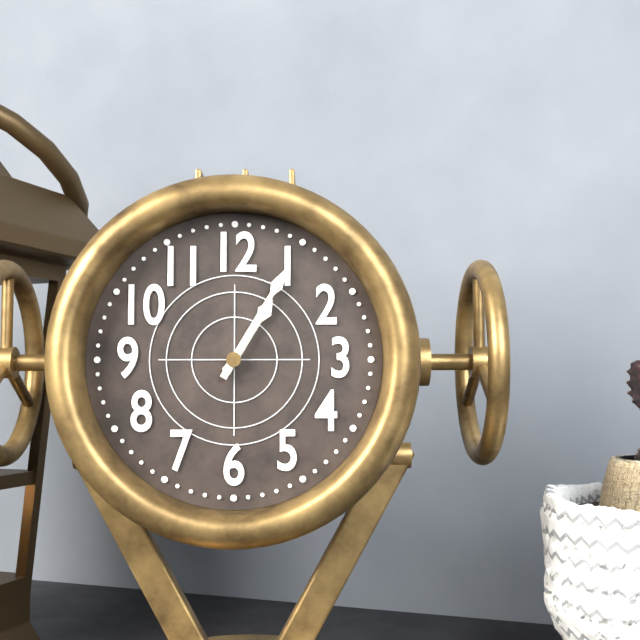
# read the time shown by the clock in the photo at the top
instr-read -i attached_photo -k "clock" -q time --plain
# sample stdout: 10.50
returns 1.05
